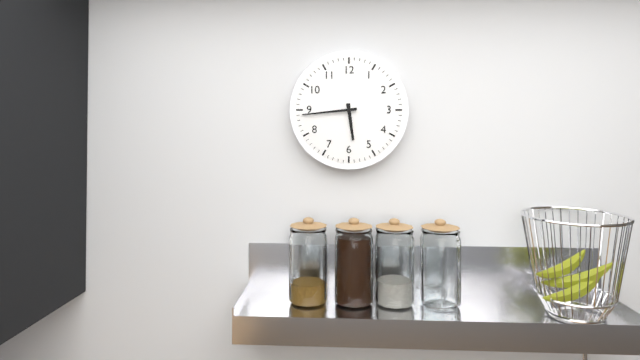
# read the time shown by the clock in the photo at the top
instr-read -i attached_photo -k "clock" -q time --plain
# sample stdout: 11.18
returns 5.44
